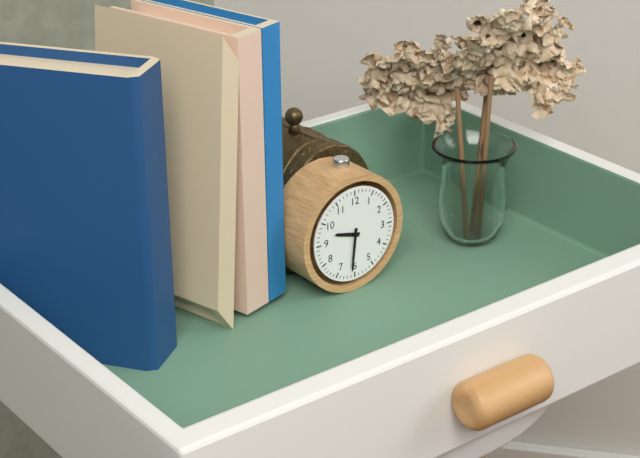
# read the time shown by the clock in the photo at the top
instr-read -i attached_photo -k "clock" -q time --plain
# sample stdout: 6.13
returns 9.31
